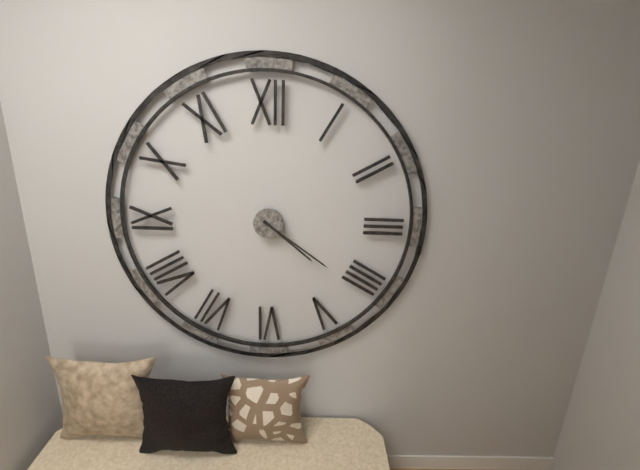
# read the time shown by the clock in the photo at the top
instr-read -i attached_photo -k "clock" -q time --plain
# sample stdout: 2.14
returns 4.21
